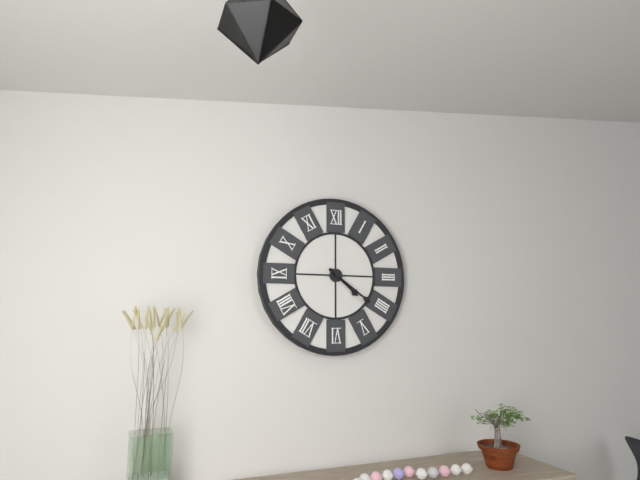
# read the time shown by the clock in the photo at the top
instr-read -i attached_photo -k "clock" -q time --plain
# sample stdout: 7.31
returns 4.21
